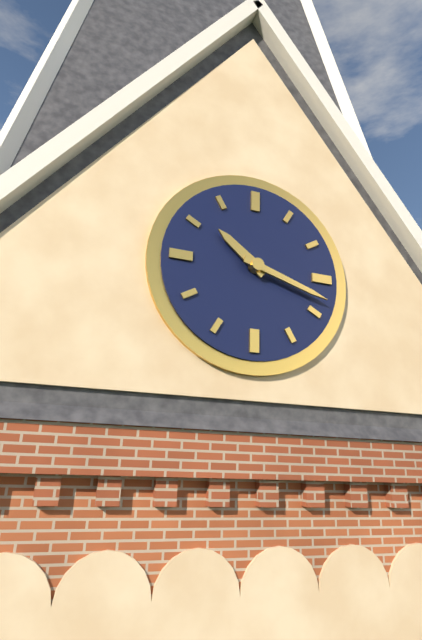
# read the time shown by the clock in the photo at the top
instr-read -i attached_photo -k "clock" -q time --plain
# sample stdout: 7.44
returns 10.18
